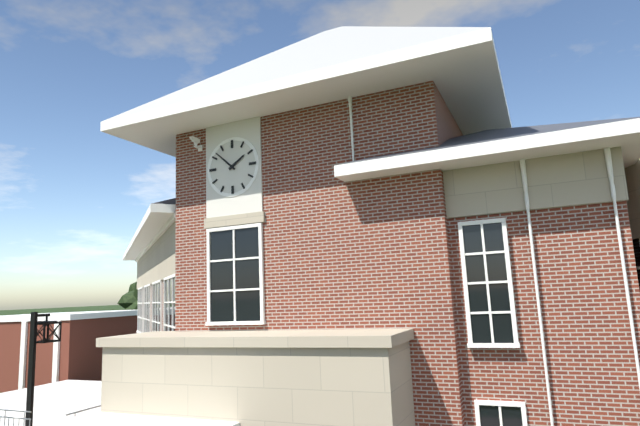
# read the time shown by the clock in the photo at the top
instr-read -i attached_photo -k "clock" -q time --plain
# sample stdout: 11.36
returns 1.52
